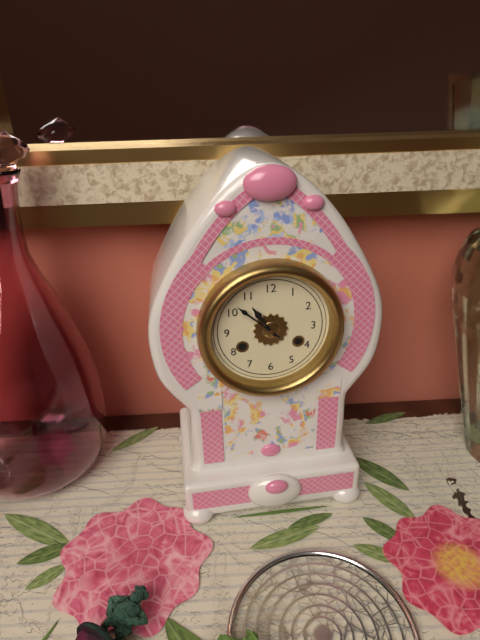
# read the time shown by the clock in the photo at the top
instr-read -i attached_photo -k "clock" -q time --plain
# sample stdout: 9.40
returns 10.52
